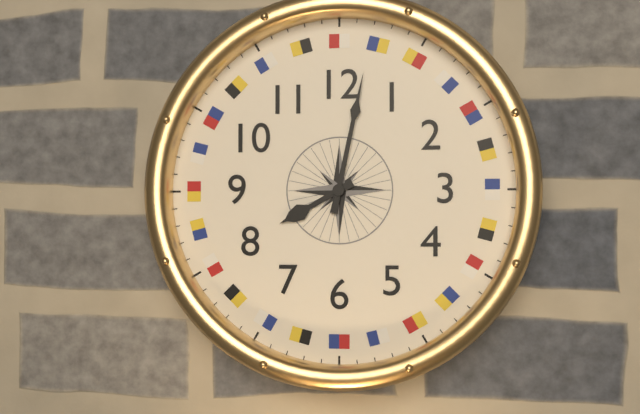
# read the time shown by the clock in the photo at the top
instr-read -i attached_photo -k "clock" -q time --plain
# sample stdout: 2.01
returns 8.02
